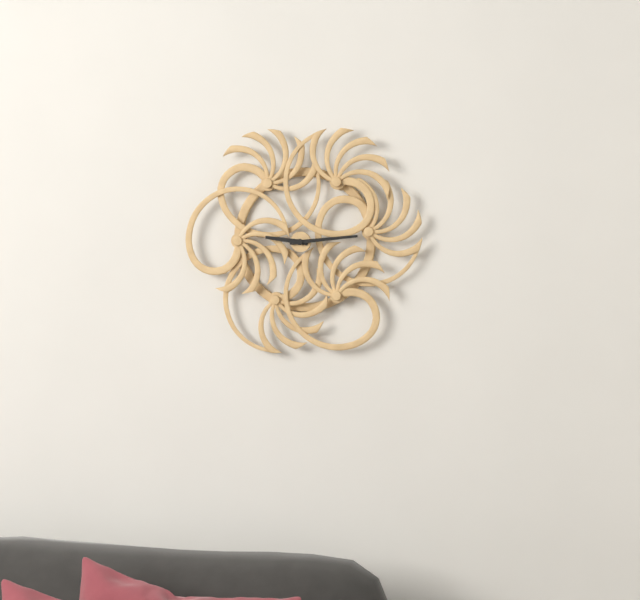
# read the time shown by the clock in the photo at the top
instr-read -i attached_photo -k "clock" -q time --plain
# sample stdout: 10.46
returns 9.14
